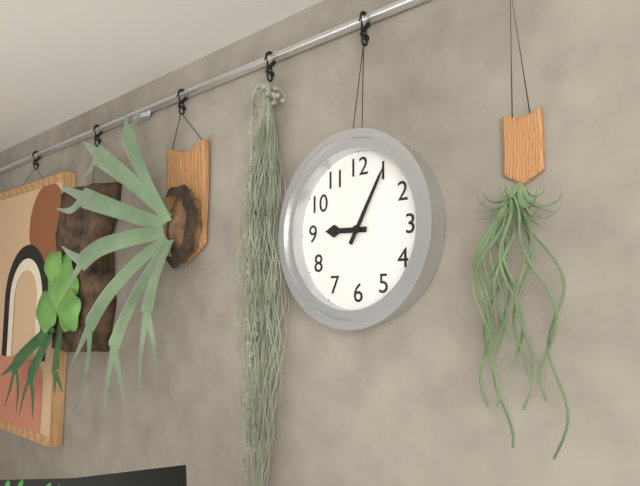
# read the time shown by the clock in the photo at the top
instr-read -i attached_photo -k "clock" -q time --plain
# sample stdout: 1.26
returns 9.05
